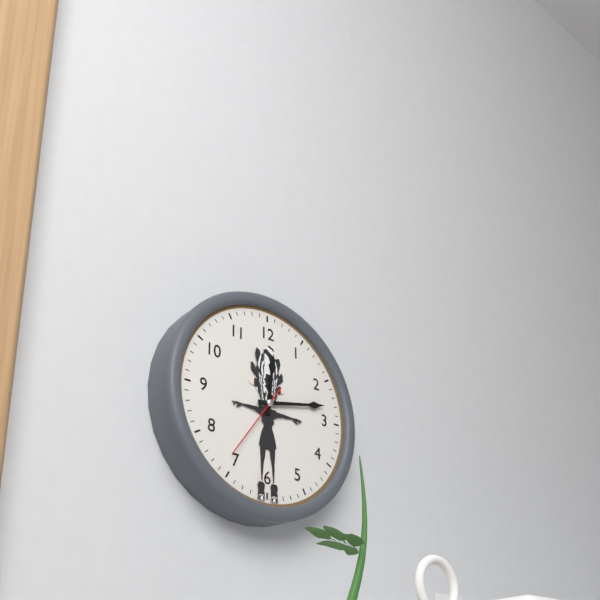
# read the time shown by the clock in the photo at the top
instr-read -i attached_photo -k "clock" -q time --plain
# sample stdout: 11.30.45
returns 12.13.36
